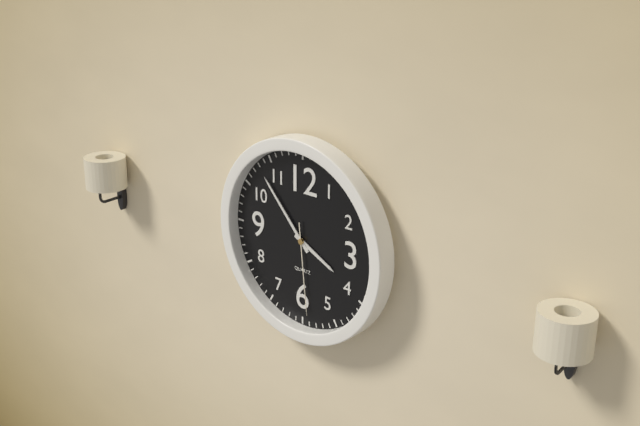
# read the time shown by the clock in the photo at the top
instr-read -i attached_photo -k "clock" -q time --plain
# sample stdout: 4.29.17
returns 3.53.29
